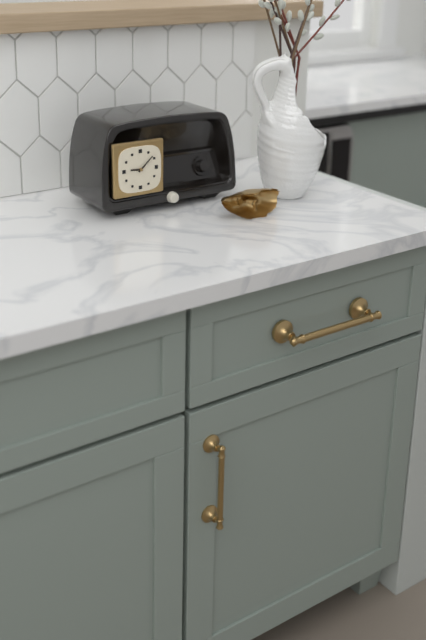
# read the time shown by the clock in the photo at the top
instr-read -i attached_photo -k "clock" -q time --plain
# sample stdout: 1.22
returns 9.08
